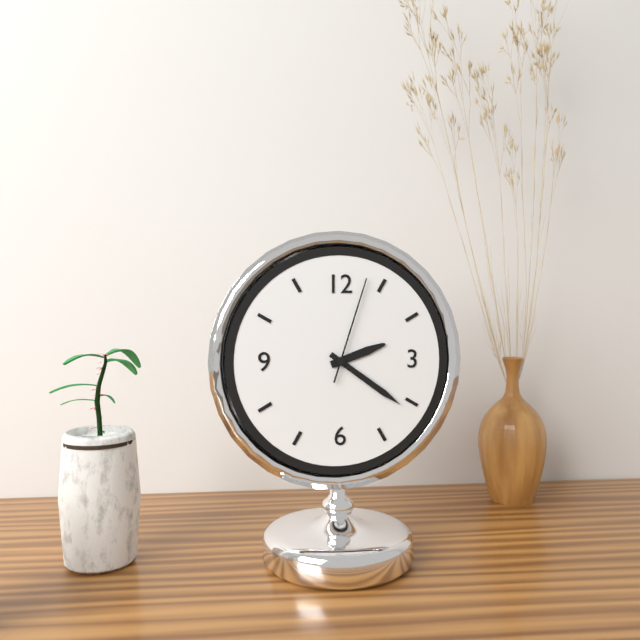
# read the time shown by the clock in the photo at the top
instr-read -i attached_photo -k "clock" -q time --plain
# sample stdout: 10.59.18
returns 2.21.03
